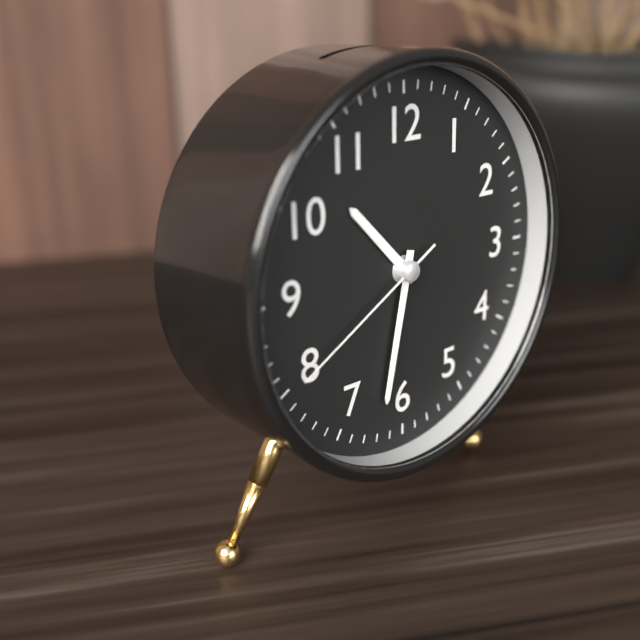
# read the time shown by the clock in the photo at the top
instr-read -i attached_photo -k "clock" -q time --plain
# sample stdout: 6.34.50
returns 10.32.40
